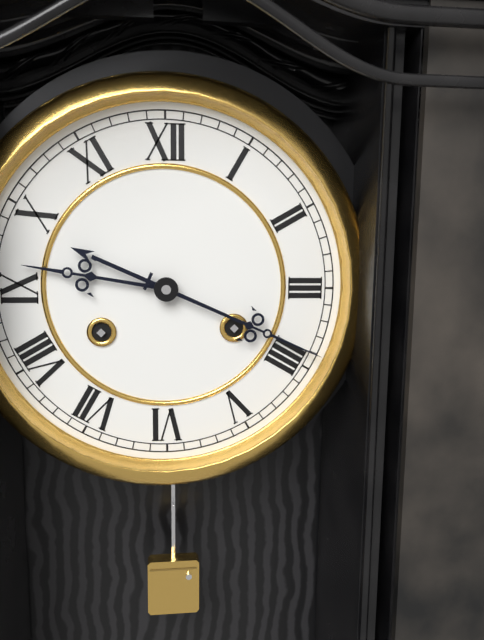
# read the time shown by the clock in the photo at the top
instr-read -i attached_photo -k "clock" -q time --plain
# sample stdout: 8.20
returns 9.19
